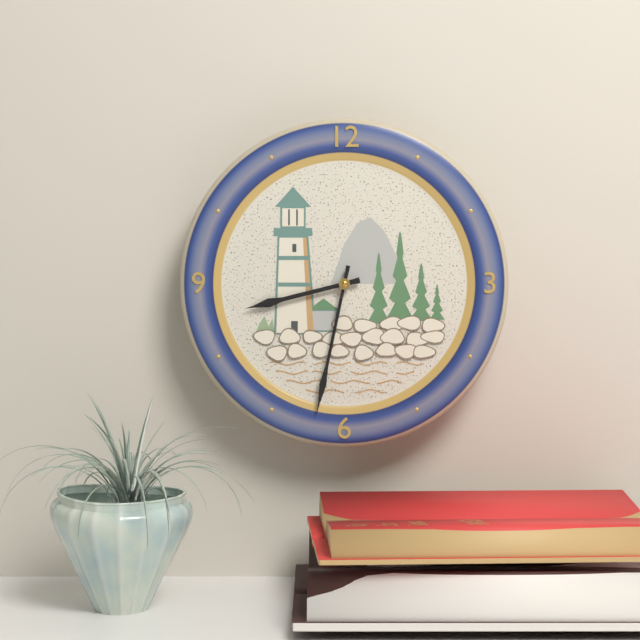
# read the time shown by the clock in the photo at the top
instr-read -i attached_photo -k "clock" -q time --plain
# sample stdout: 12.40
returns 8.32
